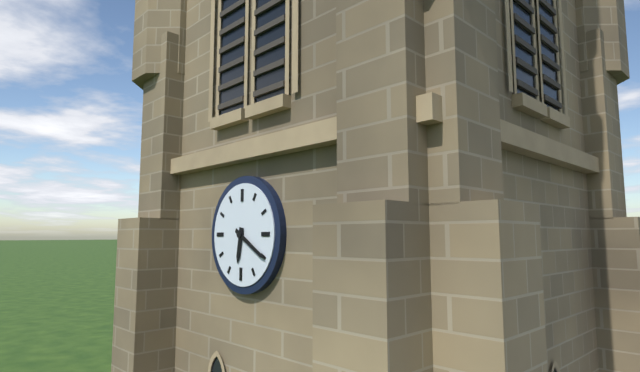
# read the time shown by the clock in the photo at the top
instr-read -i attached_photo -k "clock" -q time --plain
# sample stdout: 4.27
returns 6.20
